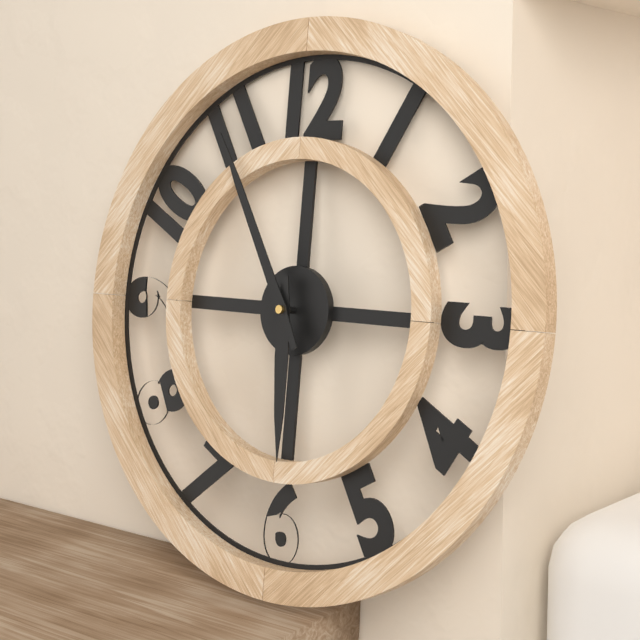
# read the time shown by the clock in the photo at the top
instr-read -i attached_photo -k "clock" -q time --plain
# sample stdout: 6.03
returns 5.55
